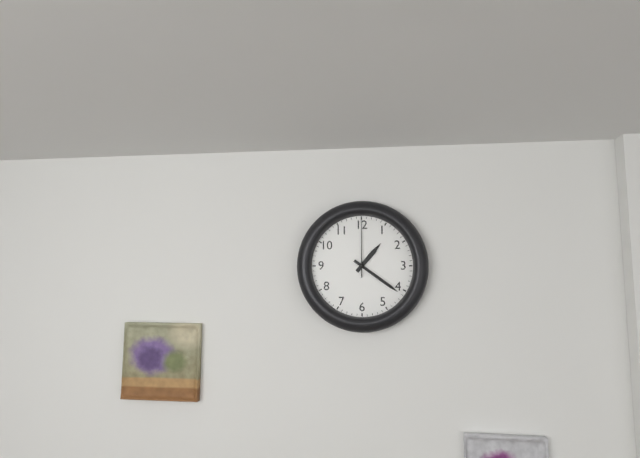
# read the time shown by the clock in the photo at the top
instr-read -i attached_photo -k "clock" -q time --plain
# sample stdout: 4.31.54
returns 1.21.00
